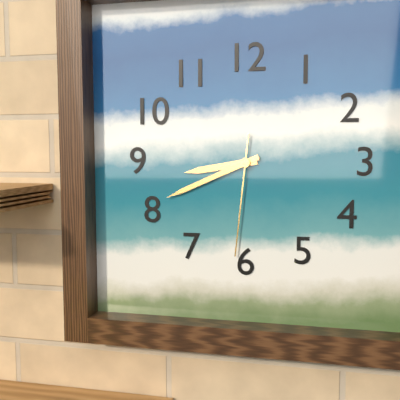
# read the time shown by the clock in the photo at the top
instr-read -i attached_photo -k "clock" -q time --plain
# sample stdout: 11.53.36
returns 8.41.31
